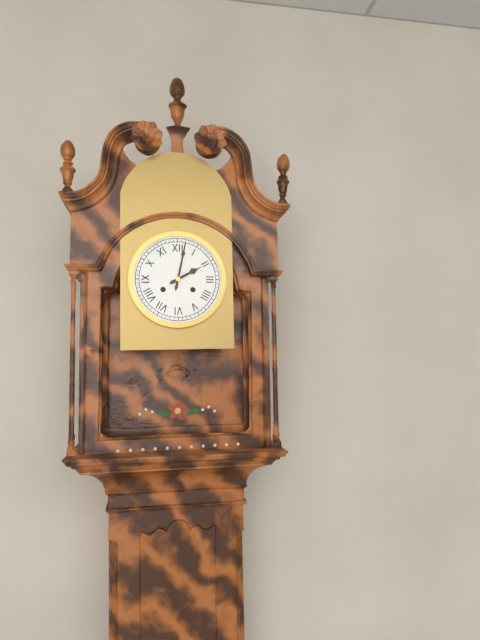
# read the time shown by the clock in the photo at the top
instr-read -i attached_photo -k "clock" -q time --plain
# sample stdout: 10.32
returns 2.02
